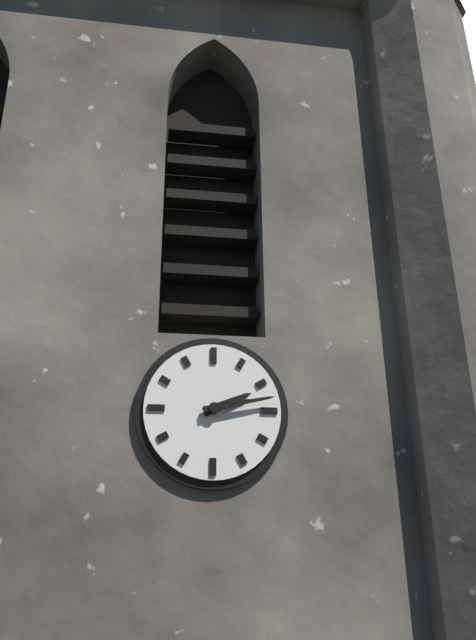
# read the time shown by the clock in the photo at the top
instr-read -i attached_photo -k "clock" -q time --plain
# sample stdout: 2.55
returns 2.13
